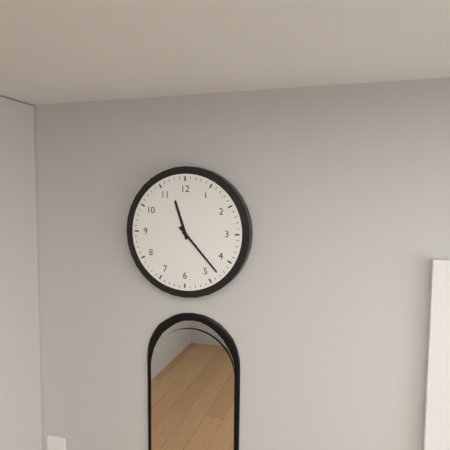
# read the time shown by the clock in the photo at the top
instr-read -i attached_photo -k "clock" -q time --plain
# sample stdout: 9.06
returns 11.23
